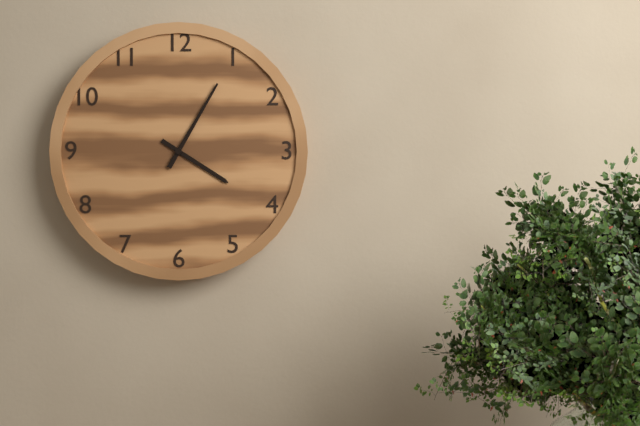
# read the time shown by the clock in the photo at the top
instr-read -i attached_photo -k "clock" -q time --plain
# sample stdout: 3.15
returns 4.05
